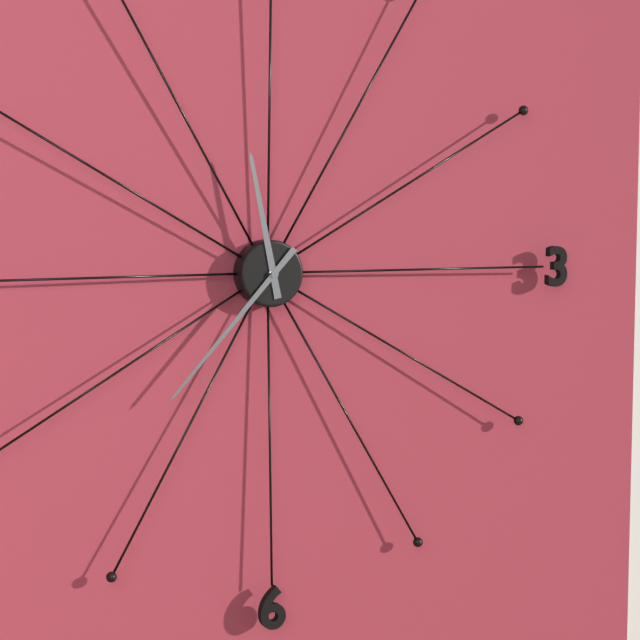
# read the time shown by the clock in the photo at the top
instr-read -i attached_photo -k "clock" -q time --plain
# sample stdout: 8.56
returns 11.37
